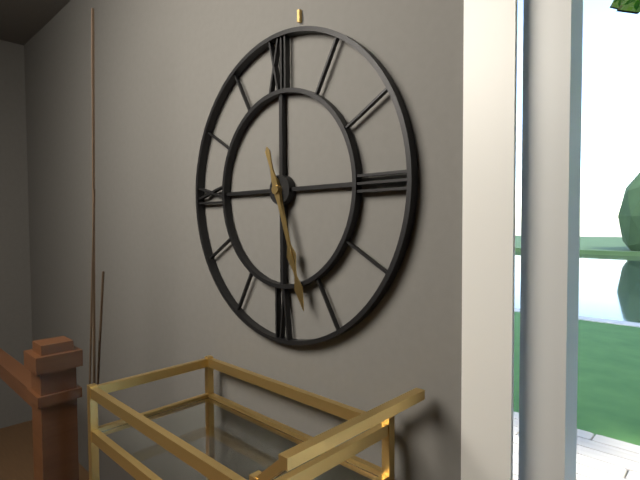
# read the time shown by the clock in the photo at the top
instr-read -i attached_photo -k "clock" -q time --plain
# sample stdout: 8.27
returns 5.27
